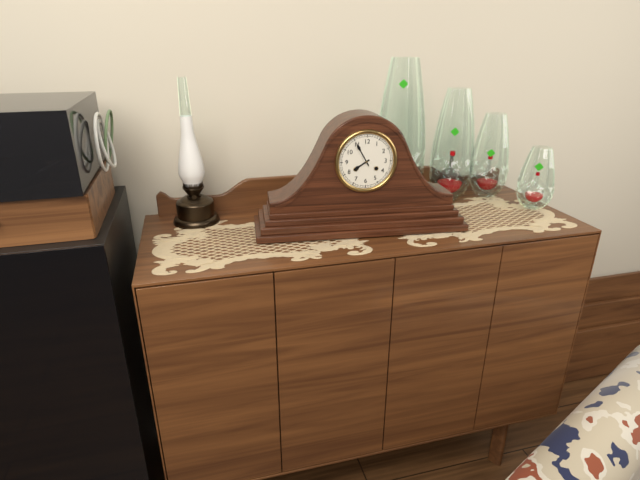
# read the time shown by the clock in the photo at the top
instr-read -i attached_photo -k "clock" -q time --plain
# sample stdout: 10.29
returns 7.55
